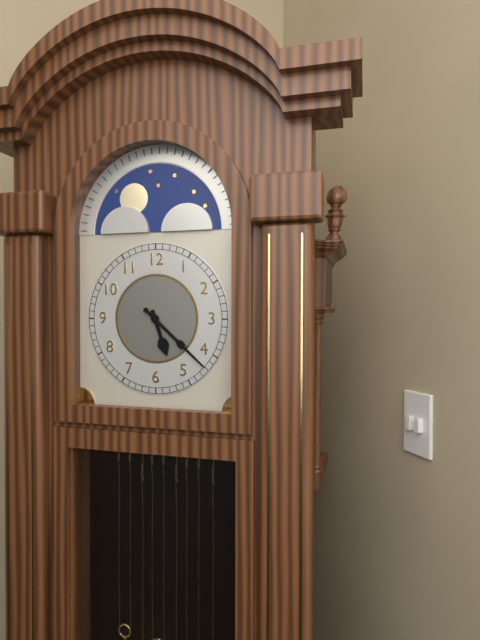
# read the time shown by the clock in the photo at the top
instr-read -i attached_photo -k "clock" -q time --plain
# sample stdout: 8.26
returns 5.22
